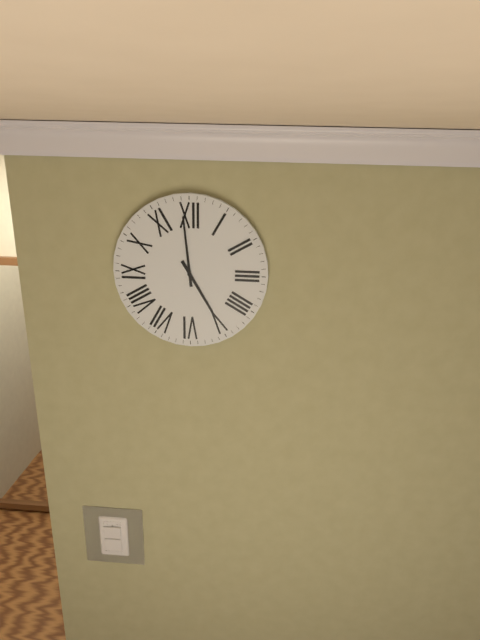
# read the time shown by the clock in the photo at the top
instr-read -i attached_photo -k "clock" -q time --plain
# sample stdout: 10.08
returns 4.59
